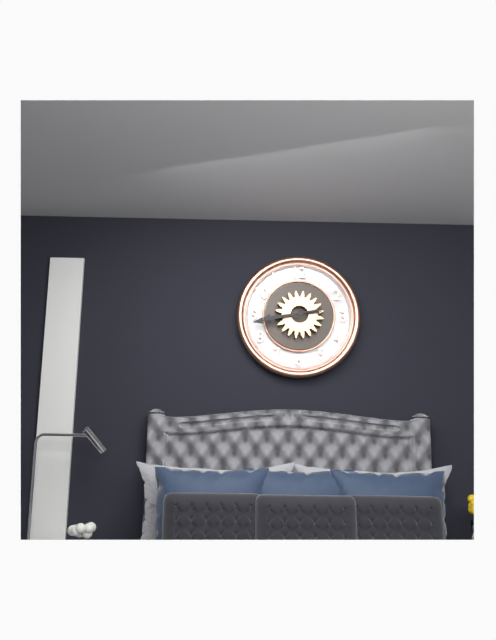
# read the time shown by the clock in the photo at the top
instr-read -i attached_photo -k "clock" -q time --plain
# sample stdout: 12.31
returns 8.43
